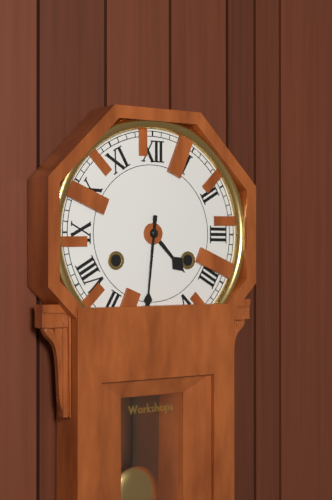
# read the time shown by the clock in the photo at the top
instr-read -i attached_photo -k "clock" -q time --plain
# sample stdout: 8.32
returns 4.31
